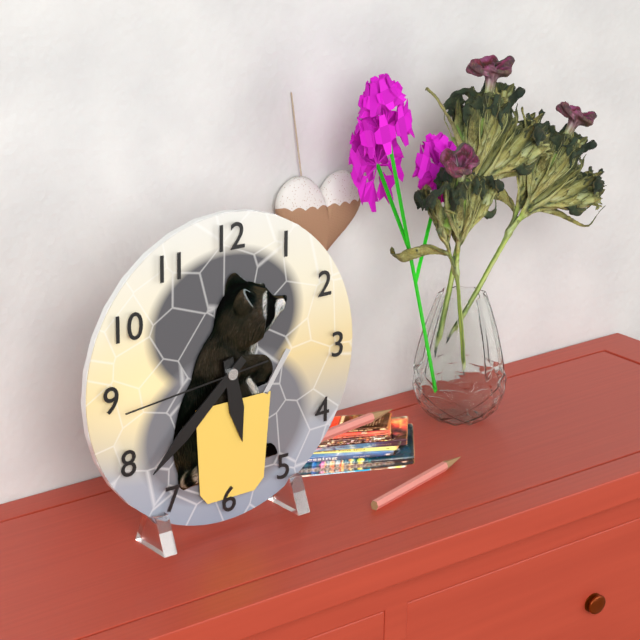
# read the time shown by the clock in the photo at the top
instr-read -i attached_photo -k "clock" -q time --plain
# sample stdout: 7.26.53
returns 5.38.44
